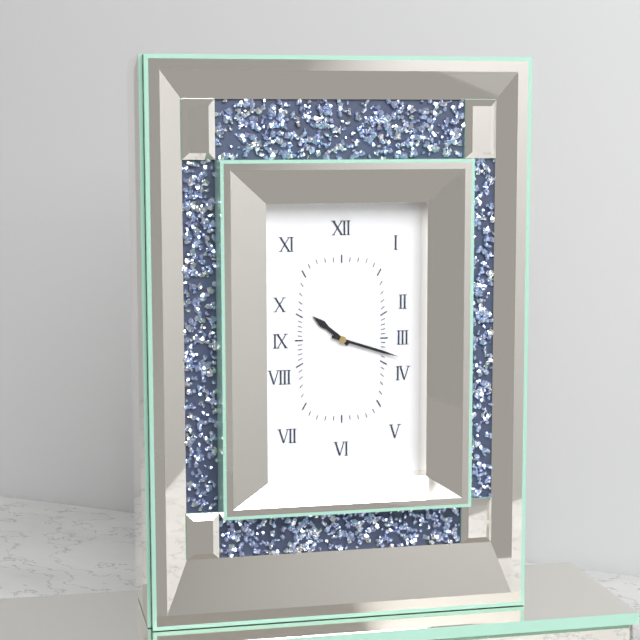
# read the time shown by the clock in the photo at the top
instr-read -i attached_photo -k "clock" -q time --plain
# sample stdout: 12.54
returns 10.18
